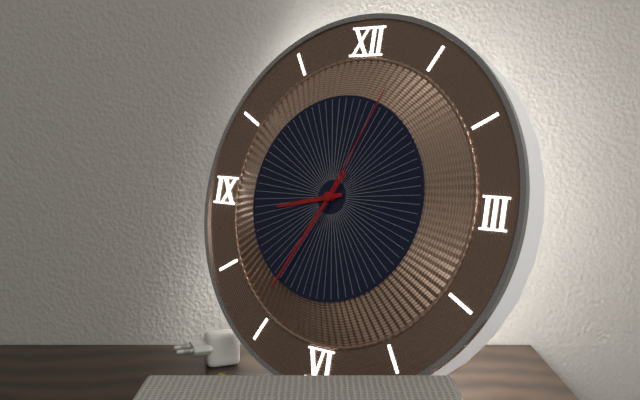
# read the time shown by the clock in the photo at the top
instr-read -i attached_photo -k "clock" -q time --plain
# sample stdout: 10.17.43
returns 8.35.04
